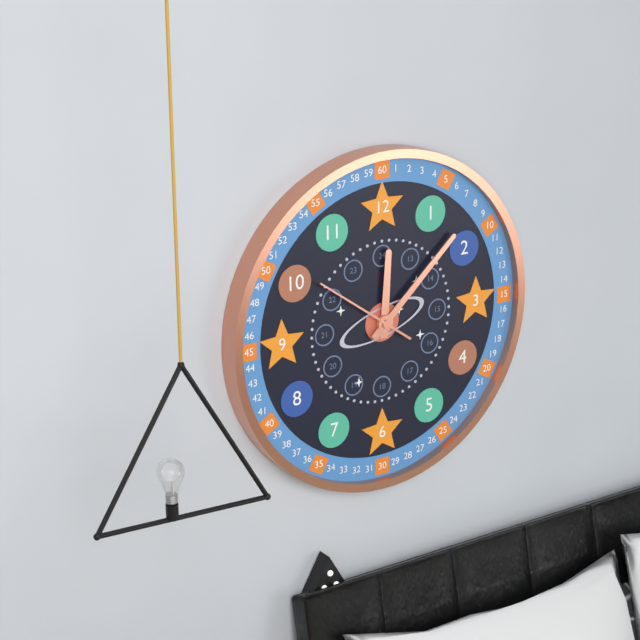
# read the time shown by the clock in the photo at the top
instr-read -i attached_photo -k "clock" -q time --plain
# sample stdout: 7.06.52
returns 12.08.51
